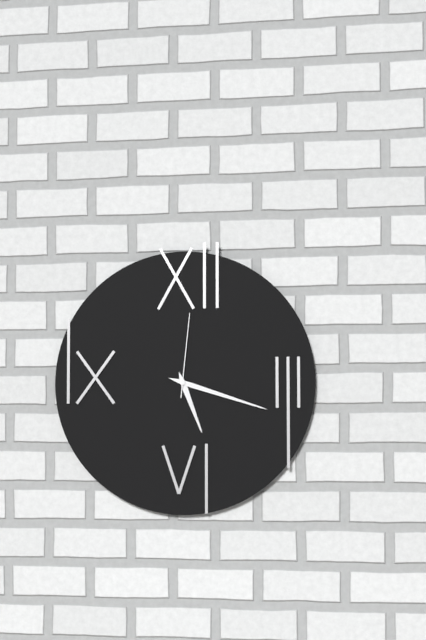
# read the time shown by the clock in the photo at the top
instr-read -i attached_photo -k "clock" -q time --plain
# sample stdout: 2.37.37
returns 5.18.01
